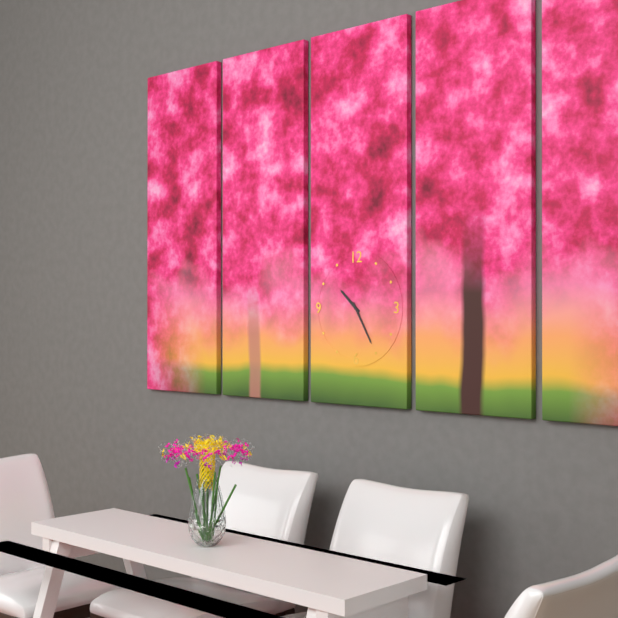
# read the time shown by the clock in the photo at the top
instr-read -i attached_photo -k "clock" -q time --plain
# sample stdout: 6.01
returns 10.25
